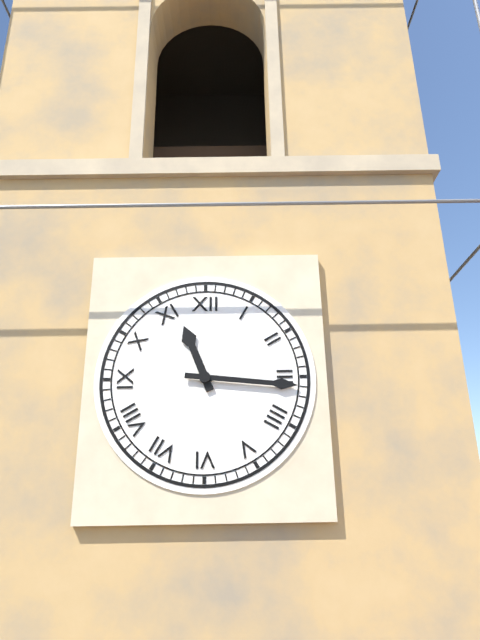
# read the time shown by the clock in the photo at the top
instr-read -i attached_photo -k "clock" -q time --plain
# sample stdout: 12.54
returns 11.16
